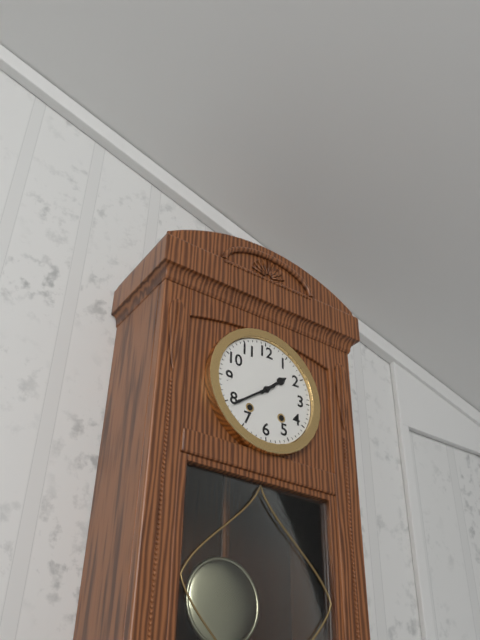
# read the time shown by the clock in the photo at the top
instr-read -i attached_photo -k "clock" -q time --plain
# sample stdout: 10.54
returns 1.39
